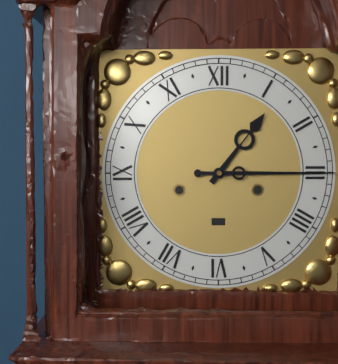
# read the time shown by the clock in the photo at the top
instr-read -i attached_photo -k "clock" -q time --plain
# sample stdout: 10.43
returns 1.15
